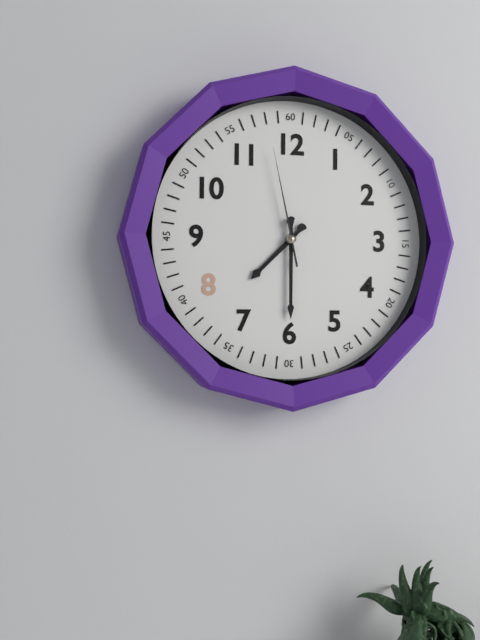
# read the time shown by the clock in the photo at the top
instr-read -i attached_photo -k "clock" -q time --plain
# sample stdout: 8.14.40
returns 7.30.58
